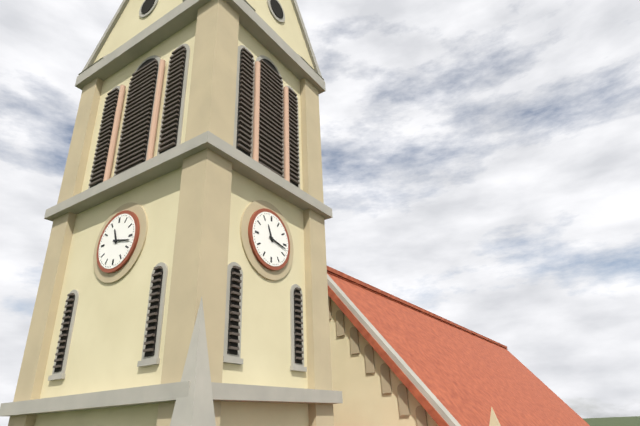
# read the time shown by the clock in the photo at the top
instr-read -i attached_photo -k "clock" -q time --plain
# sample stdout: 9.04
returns 11.17
